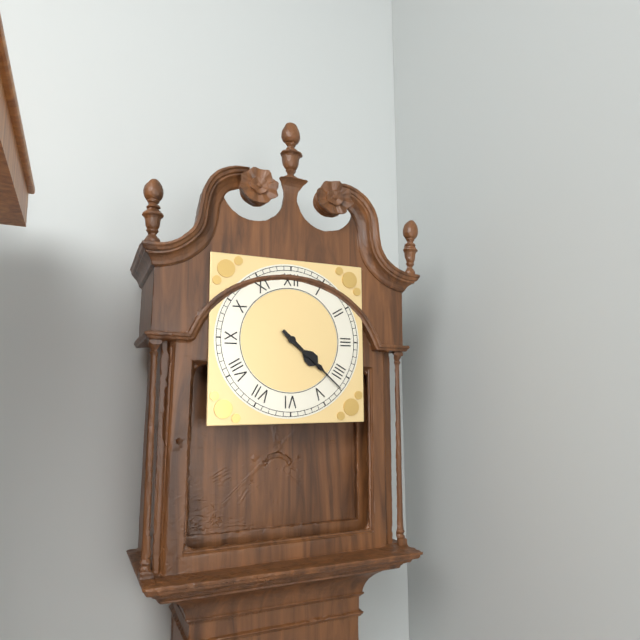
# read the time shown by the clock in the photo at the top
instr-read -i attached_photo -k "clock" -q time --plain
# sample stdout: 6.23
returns 4.22
